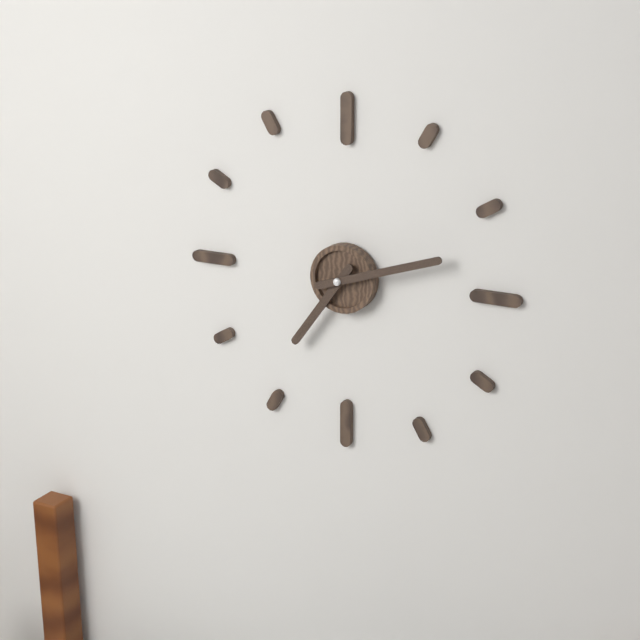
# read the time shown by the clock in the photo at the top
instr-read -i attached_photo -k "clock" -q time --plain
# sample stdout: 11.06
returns 7.12
